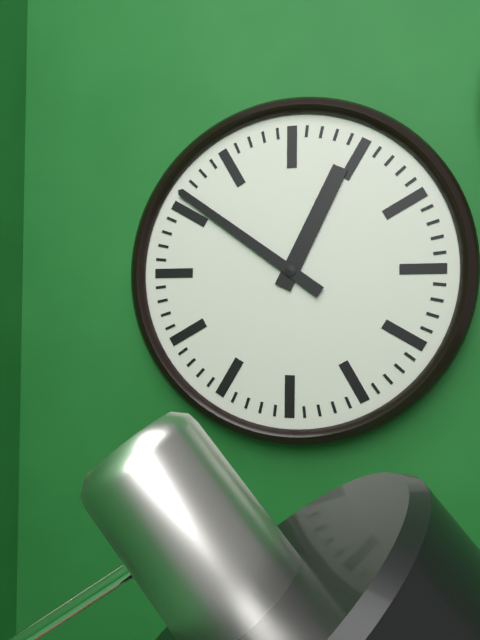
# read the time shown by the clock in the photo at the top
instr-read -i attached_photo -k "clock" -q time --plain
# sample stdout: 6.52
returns 12.51
